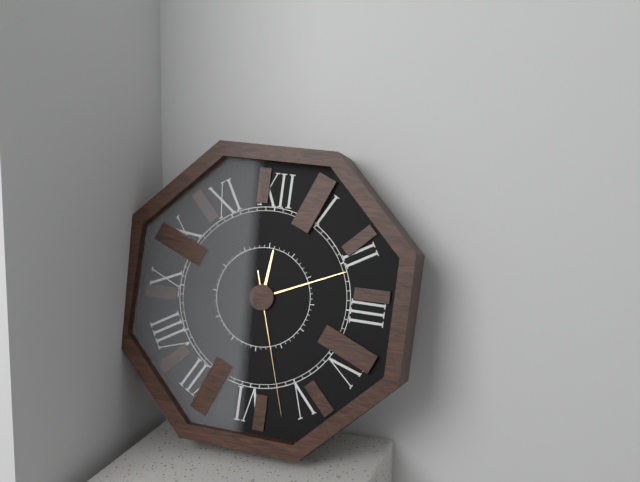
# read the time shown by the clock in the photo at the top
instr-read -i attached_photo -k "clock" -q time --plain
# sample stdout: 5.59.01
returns 12.11.27
